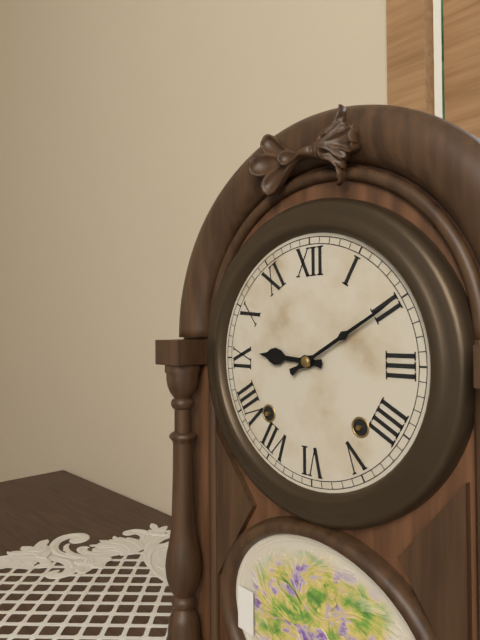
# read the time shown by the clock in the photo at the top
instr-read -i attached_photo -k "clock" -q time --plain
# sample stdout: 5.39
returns 9.10
